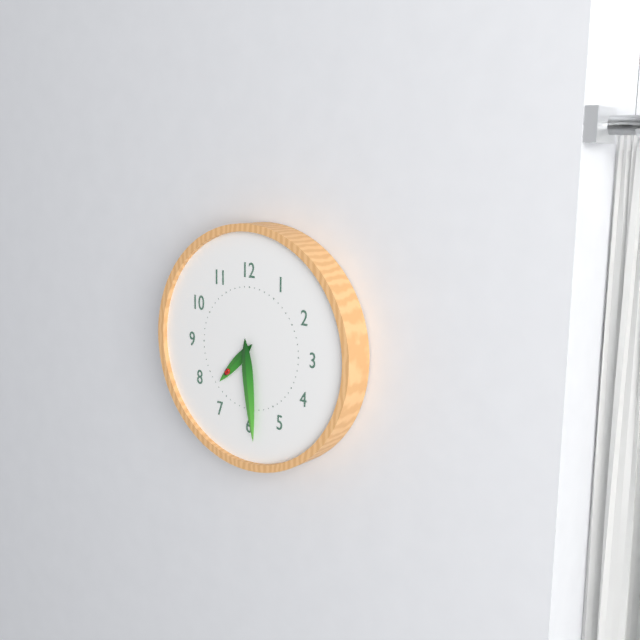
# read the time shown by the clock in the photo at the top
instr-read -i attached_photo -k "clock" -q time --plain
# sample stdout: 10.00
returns 7.29
